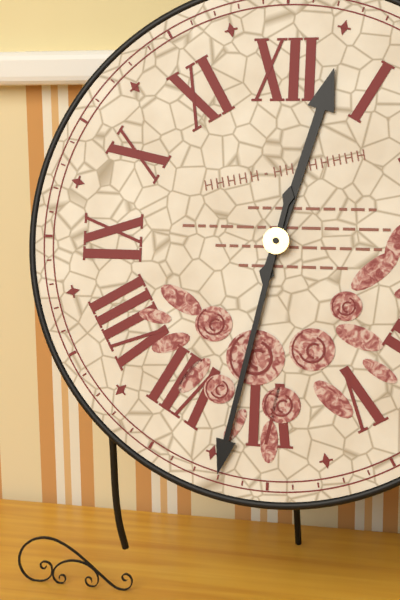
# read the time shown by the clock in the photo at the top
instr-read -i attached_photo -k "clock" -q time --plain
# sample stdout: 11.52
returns 12.32
